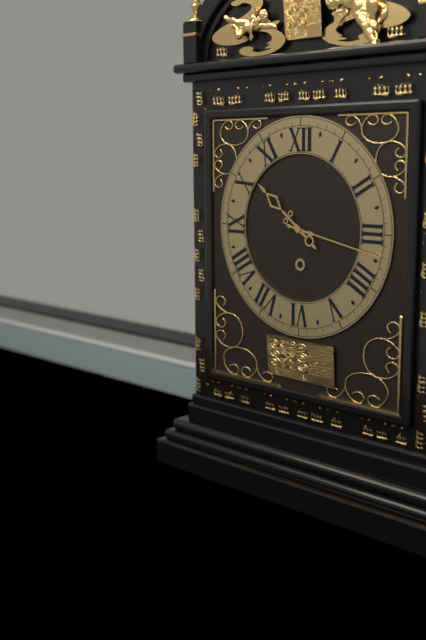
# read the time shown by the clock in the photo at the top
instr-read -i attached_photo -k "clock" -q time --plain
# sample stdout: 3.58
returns 10.17
